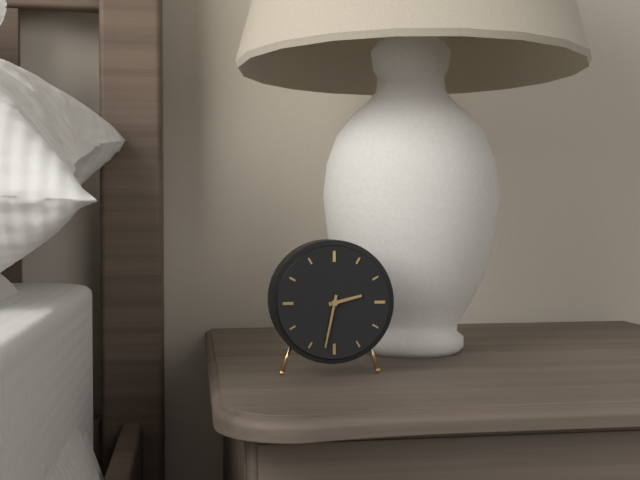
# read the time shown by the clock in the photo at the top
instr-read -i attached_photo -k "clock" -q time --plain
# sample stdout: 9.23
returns 2.32
